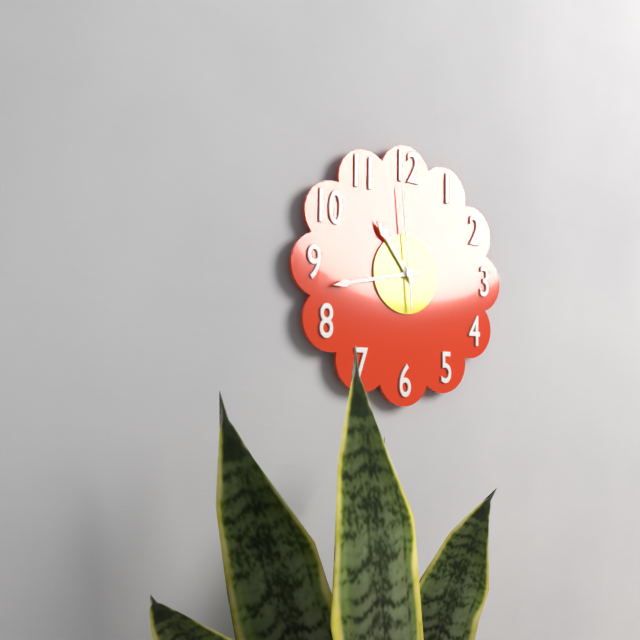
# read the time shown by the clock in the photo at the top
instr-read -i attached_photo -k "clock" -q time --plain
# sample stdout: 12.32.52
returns 10.43.59
